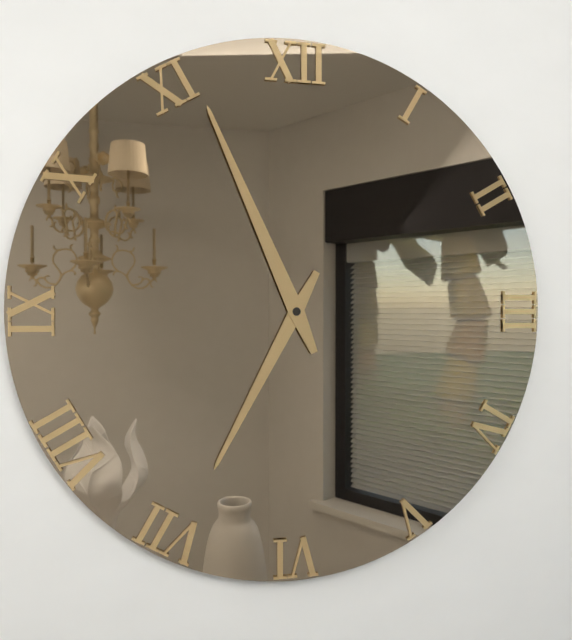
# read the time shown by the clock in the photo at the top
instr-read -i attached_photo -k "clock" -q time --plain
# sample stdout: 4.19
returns 6.56
